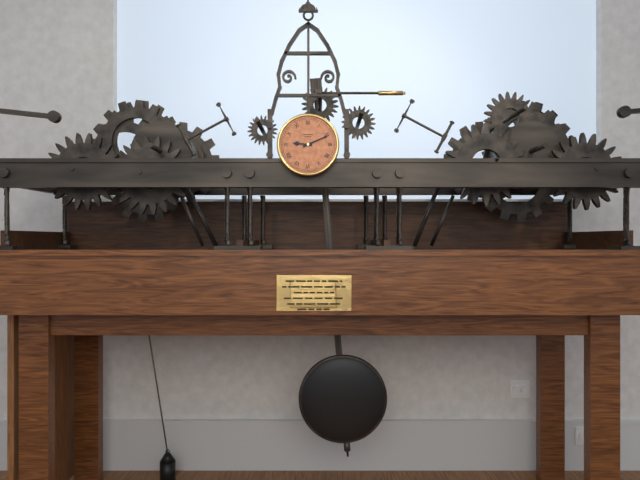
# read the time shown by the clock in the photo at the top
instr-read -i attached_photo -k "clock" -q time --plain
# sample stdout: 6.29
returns 9.11
